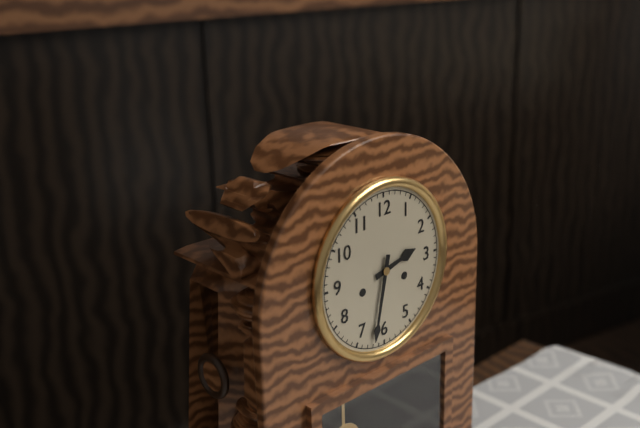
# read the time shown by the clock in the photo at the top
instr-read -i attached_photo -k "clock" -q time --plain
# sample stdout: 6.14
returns 2.32
